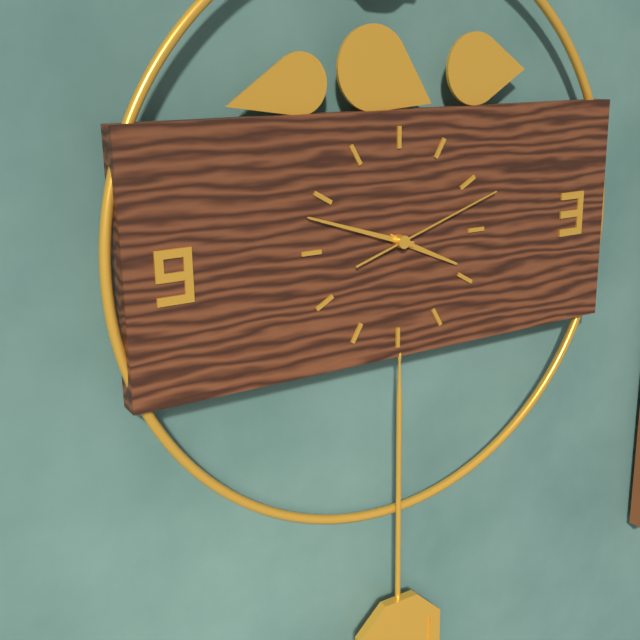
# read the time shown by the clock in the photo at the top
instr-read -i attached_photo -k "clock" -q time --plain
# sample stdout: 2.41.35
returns 3.48.12
